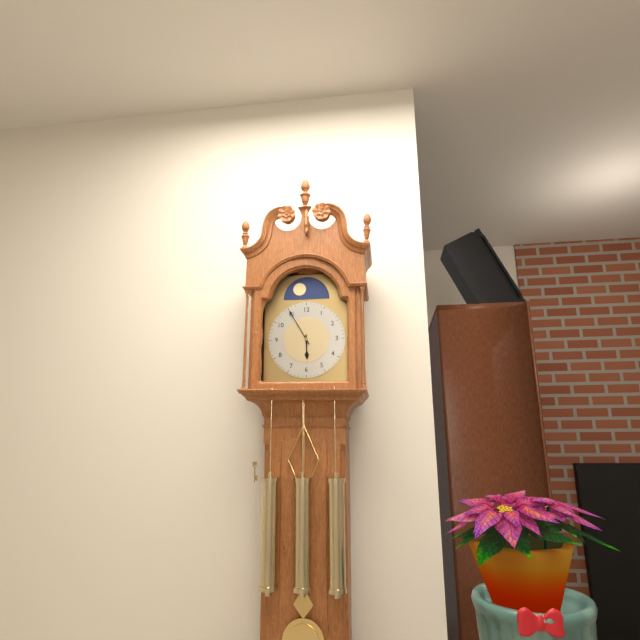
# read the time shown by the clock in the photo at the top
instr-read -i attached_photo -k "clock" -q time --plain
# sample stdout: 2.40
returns 5.55
